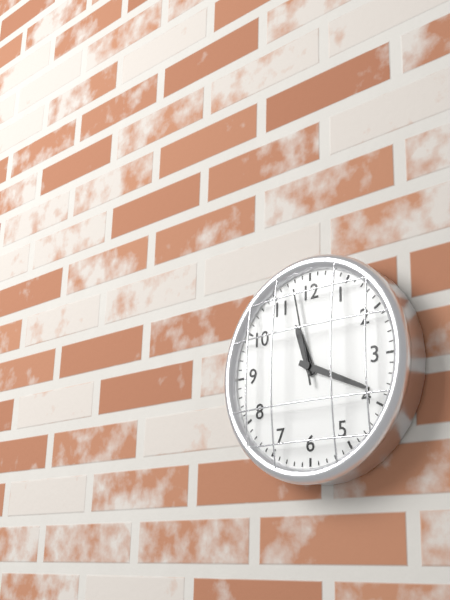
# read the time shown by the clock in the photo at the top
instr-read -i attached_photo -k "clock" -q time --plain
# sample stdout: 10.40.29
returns 11.19.58
